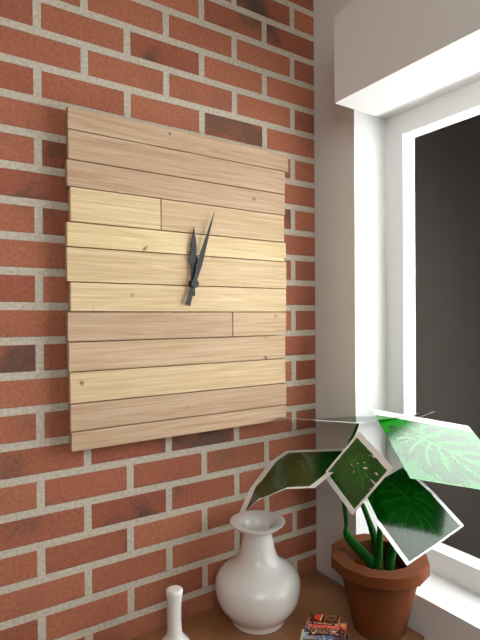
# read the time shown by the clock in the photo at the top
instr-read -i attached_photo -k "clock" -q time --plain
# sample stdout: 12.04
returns 12.03
